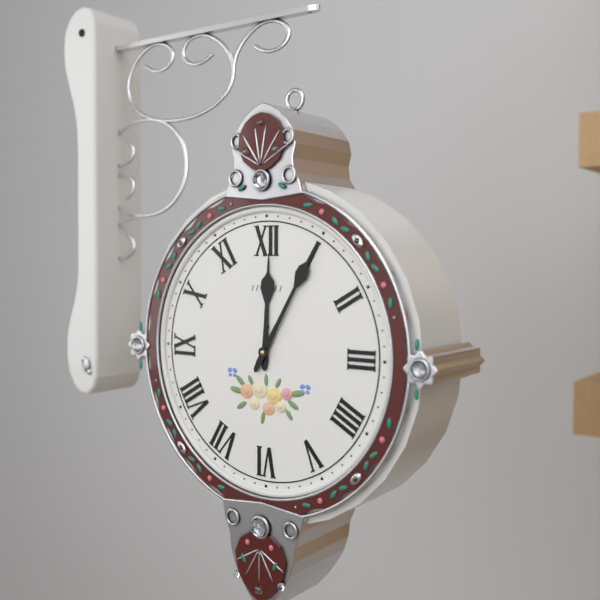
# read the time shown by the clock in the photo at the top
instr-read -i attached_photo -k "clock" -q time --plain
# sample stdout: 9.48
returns 12.05
